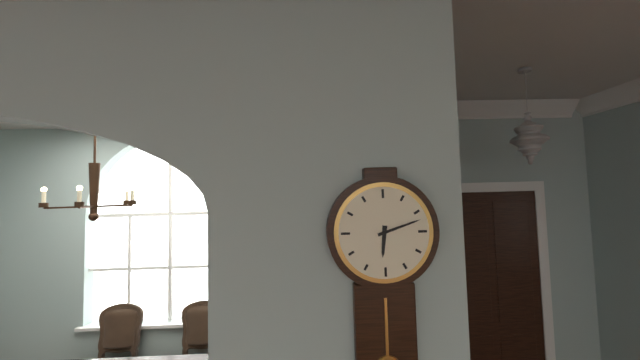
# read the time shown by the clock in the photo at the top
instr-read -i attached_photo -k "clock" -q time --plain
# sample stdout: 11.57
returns 6.12
